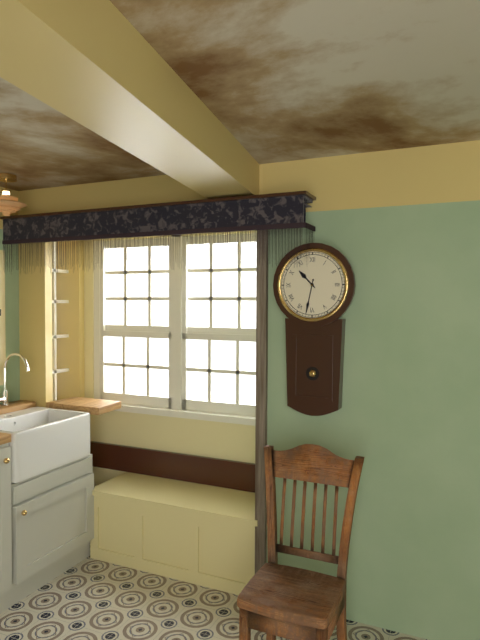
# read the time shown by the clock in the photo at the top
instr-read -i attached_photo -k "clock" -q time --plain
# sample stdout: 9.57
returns 10.32
